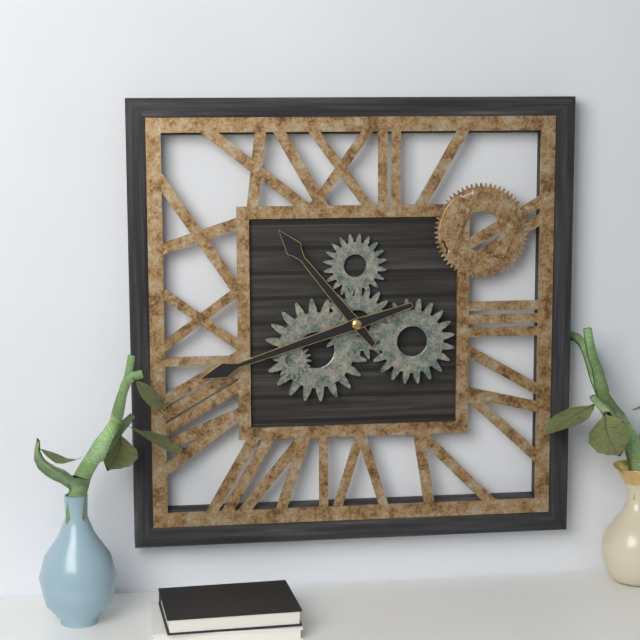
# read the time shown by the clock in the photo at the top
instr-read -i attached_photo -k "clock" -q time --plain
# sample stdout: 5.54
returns 10.42
